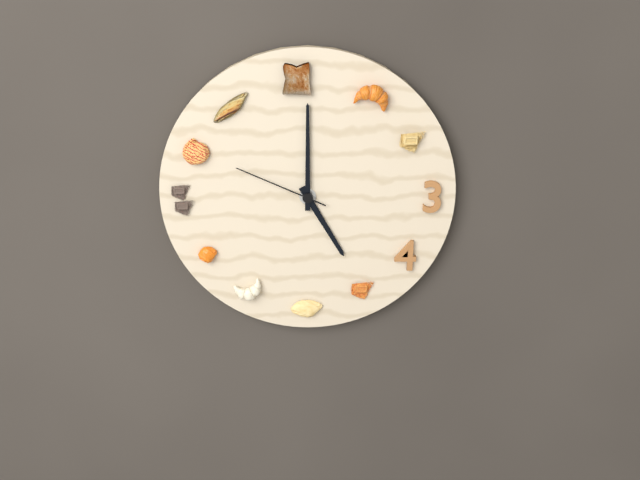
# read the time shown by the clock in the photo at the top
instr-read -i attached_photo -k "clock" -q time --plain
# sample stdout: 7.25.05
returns 5.00.49
